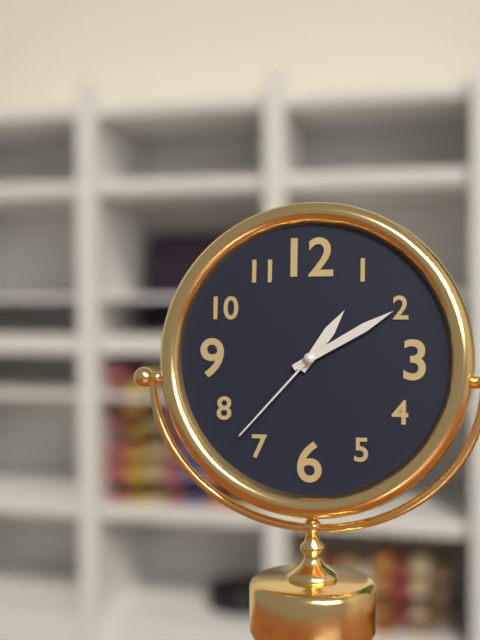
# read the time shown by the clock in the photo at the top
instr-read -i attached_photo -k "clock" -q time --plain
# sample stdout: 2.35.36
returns 1.10.37
